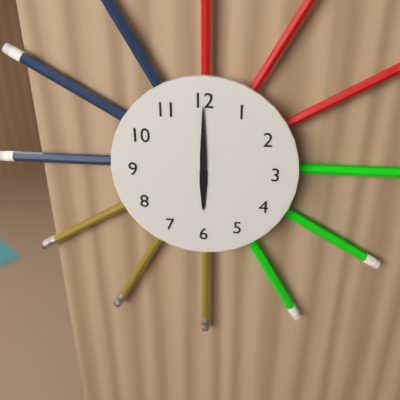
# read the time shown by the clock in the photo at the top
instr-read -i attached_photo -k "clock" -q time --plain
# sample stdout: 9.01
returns 6.00
